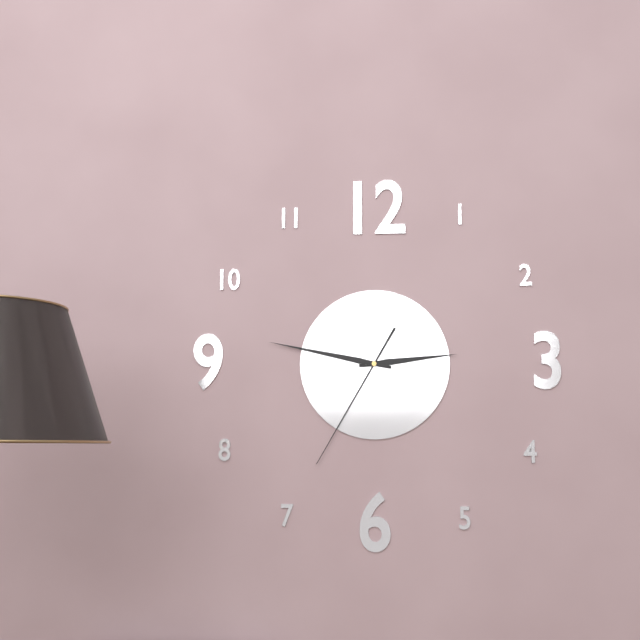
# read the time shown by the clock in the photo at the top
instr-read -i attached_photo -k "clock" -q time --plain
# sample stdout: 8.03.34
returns 2.47.35
